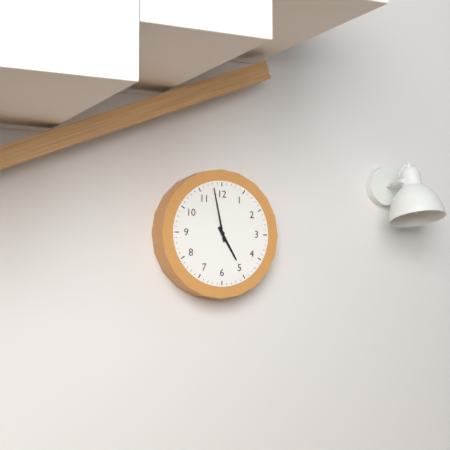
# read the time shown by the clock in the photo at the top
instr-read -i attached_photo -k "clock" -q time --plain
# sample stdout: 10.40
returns 4.58
